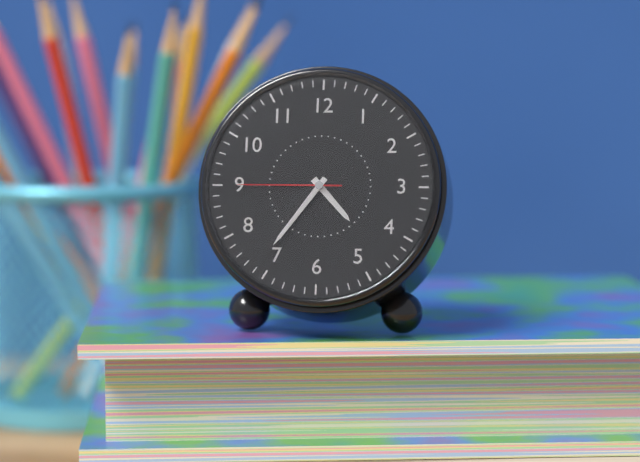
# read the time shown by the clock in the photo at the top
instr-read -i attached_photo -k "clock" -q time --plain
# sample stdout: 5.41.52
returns 4.36.45
